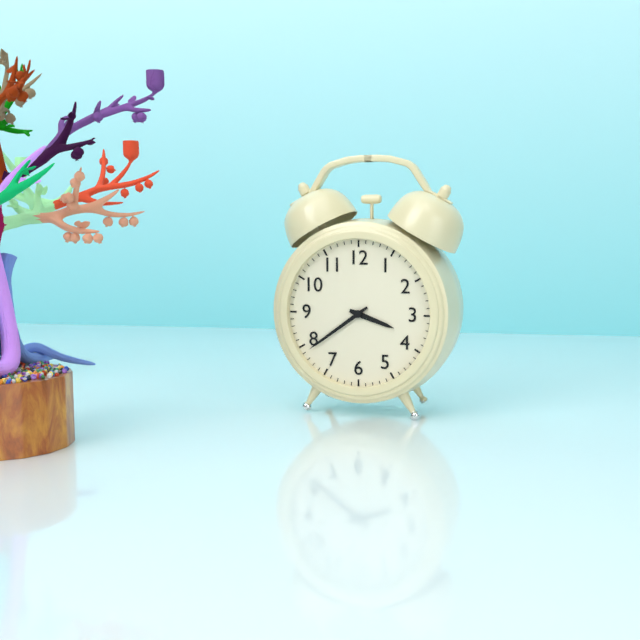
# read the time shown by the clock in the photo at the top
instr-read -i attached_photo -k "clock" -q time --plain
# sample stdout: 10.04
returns 3.39
